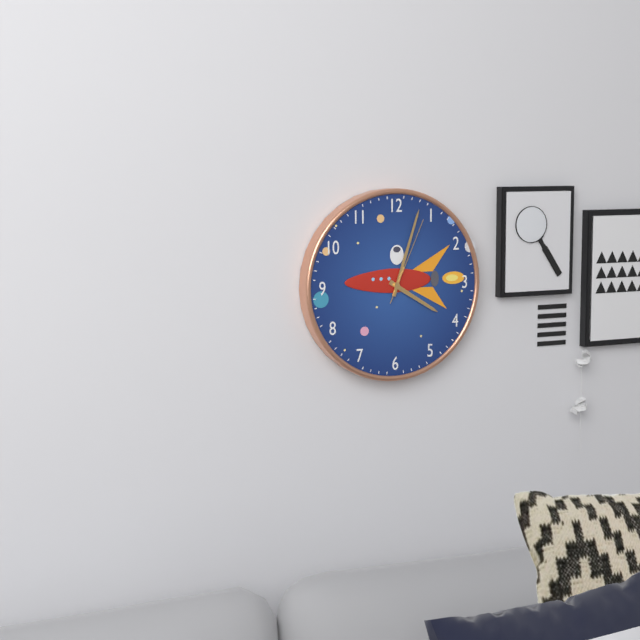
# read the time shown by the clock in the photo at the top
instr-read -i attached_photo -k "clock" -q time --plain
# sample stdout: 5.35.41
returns 4.03.04
